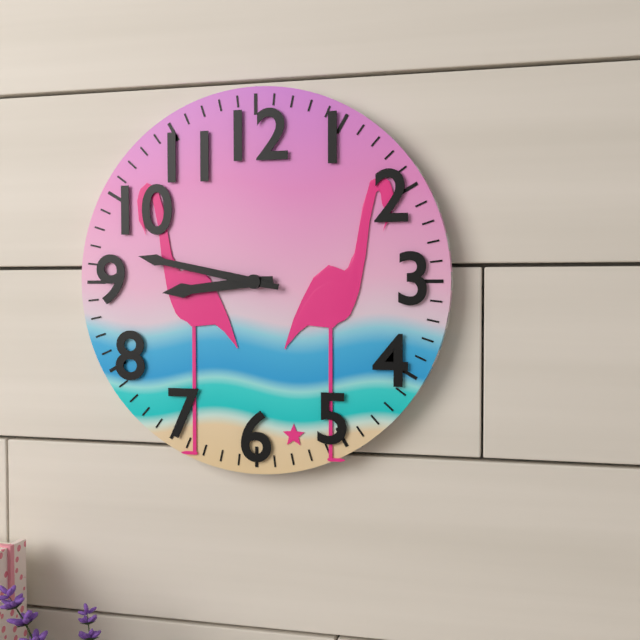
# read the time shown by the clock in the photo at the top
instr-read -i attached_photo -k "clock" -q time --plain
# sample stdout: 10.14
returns 8.47
